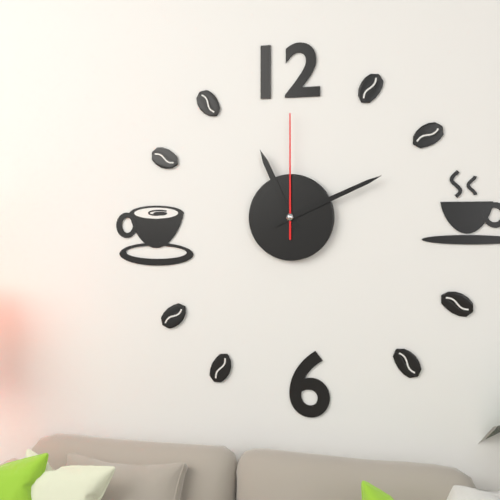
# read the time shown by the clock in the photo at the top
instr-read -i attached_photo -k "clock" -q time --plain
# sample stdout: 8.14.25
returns 11.11.00
